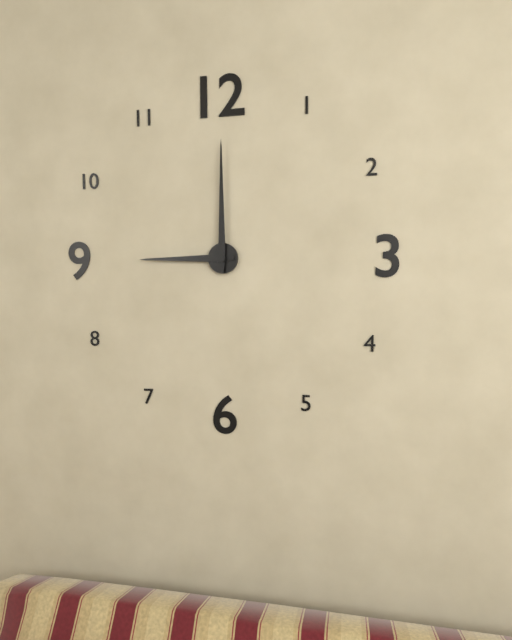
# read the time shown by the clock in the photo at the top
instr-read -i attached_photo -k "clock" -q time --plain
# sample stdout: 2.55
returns 9.00
